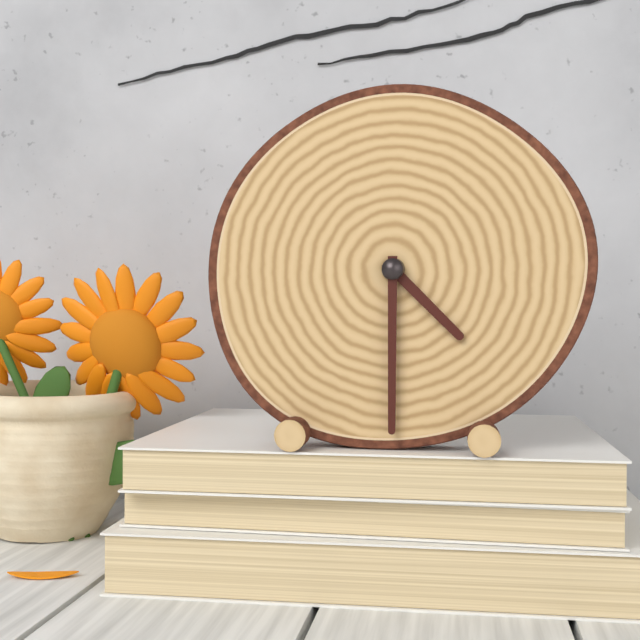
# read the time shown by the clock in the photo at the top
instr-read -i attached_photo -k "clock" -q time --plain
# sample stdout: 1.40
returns 4.30
